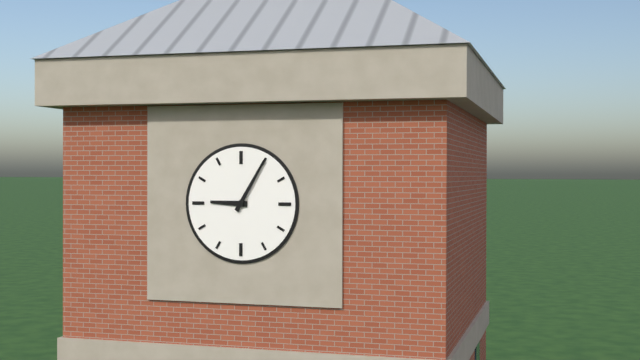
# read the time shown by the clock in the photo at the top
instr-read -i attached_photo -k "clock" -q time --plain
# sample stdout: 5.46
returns 9.05
